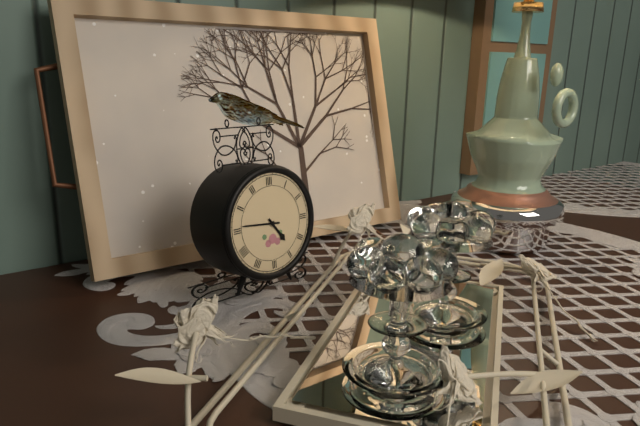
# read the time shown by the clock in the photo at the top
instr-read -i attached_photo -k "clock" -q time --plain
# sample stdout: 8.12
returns 4.46
